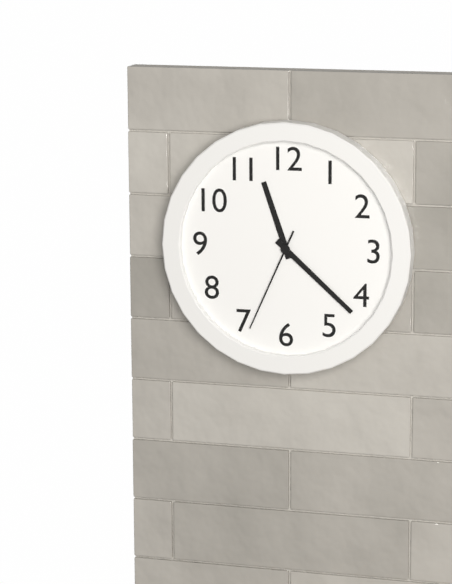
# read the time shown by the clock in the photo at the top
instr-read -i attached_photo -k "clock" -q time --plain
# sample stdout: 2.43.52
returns 11.22.34
